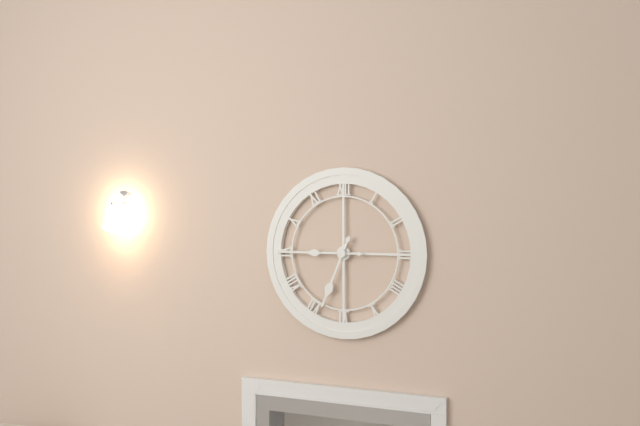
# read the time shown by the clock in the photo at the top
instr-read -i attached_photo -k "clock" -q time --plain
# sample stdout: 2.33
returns 6.45
